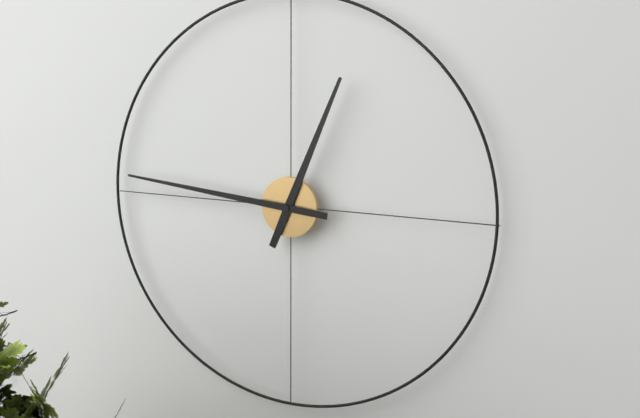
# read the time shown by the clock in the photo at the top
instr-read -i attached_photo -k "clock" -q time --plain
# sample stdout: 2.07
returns 12.46
